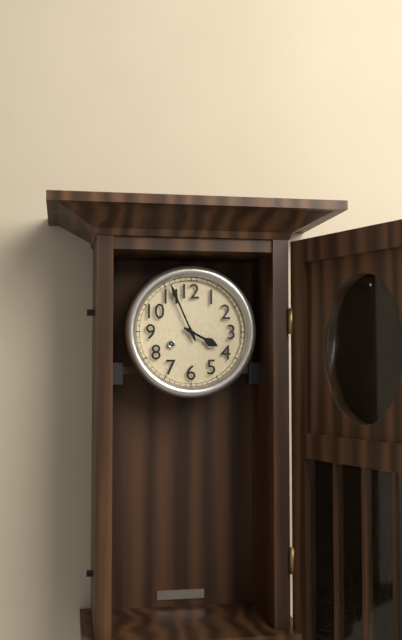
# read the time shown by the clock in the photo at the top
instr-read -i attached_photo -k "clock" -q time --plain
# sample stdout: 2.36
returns 3.56
